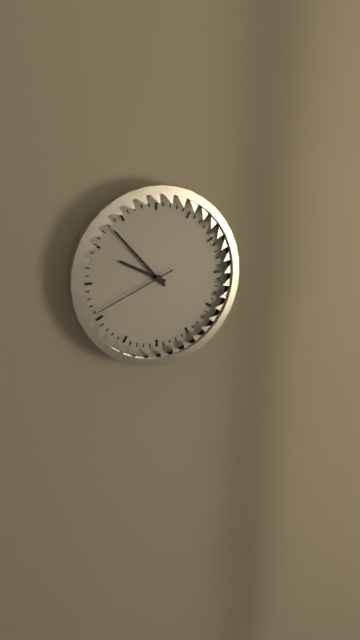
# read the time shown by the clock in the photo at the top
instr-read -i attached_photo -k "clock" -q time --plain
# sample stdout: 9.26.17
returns 9.53.41
